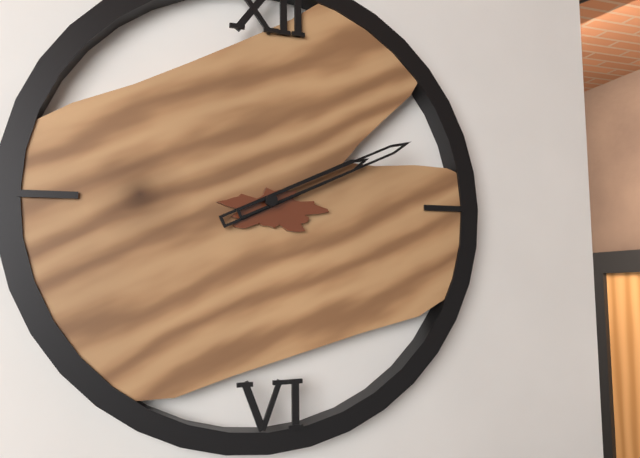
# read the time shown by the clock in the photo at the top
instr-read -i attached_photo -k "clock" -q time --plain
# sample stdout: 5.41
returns 2.11
